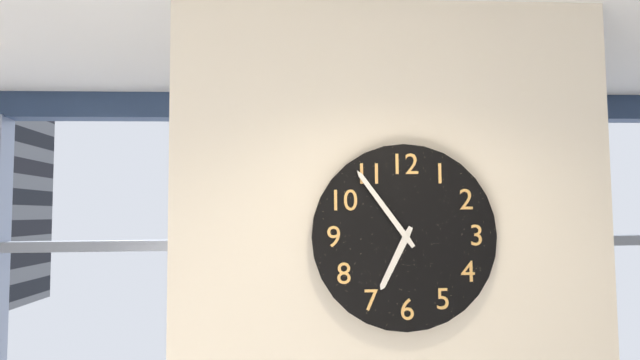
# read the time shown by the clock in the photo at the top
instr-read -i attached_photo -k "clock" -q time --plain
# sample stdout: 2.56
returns 6.54
